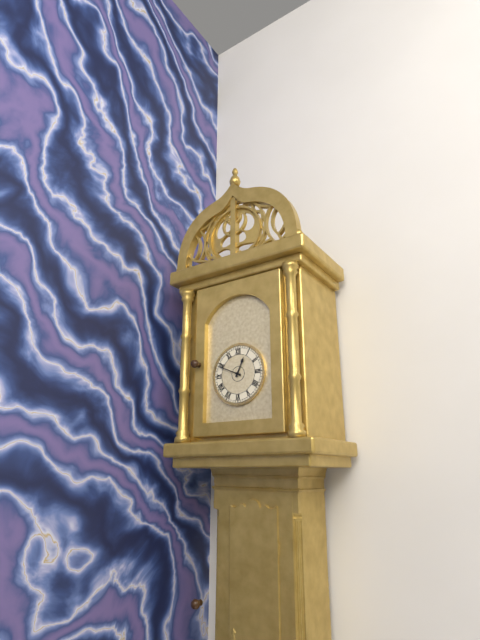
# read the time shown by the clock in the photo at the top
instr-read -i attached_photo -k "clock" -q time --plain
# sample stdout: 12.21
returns 12.49
